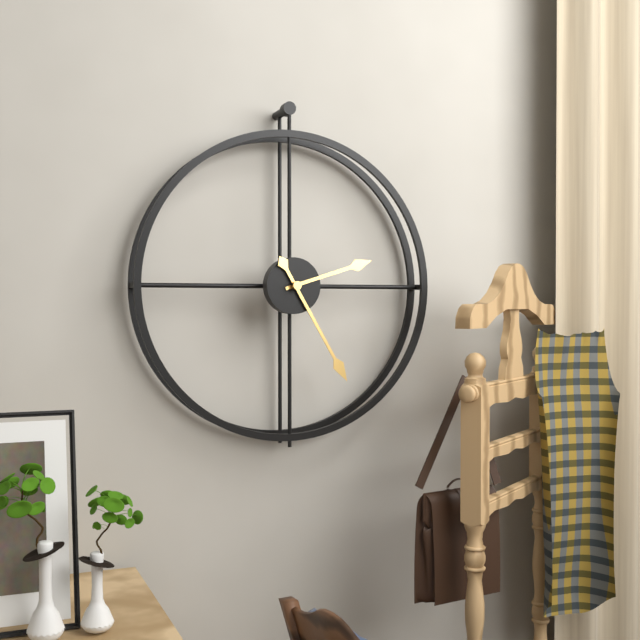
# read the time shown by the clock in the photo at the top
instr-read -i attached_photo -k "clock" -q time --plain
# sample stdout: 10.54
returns 2.25
